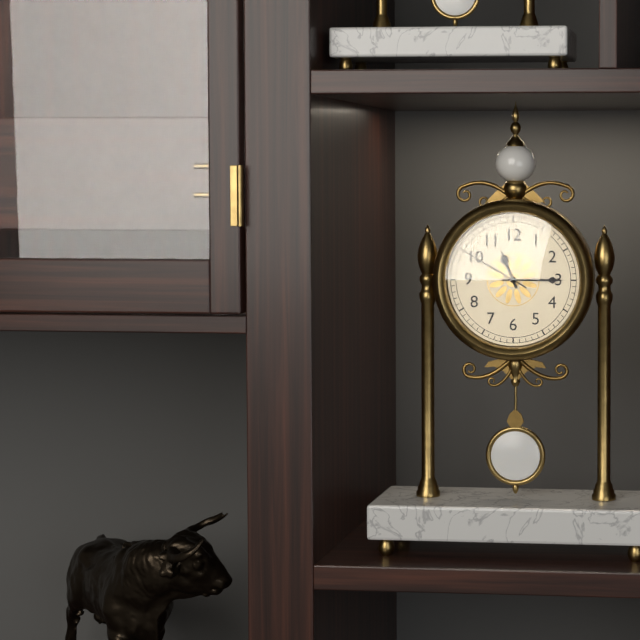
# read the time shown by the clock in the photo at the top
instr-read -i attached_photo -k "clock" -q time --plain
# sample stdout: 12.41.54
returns 11.15.50
